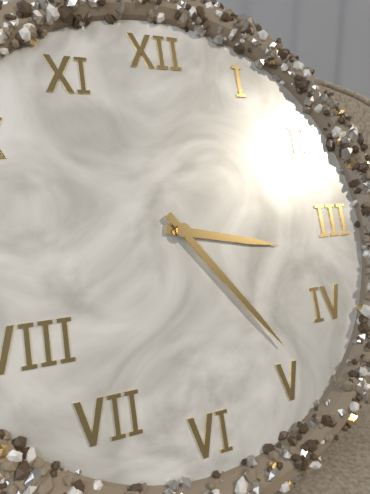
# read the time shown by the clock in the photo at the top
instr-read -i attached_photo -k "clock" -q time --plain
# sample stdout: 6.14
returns 3.24
